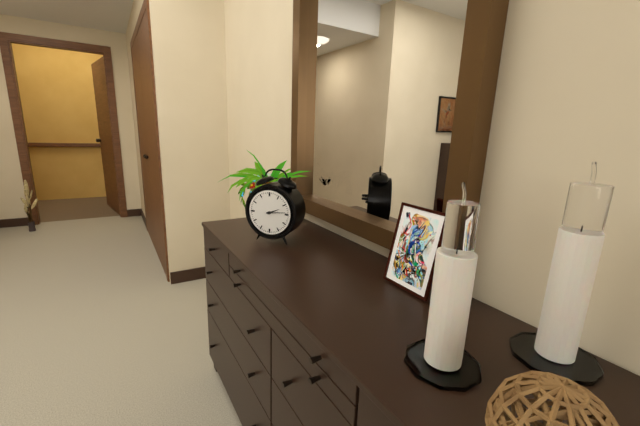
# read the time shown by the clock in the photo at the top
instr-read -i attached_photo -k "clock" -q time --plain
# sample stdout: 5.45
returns 2.14
